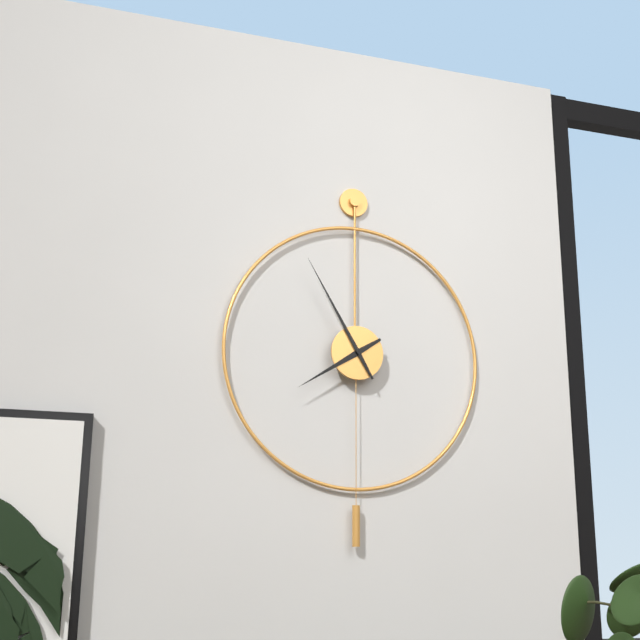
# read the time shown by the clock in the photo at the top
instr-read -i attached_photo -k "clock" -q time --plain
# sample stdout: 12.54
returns 7.55
